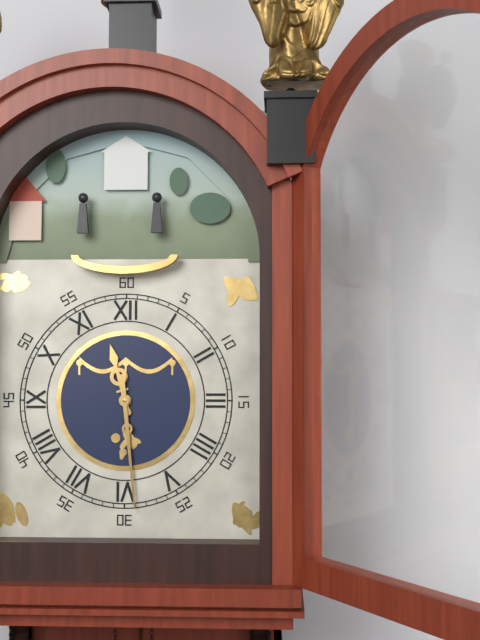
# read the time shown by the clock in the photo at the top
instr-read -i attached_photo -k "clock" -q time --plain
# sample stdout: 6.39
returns 11.29
